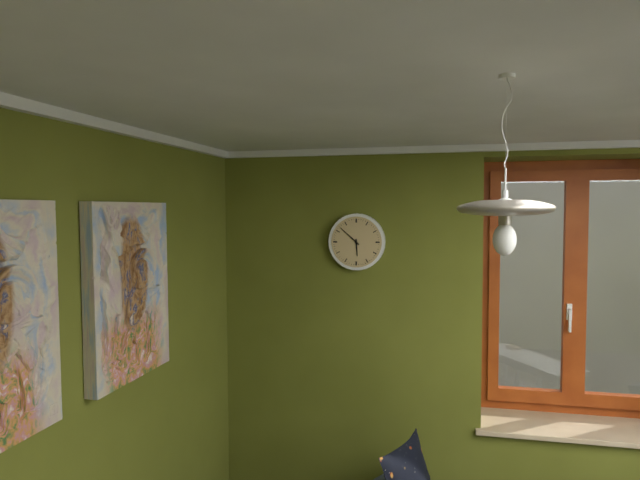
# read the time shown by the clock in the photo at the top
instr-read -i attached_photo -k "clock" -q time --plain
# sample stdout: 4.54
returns 5.52
